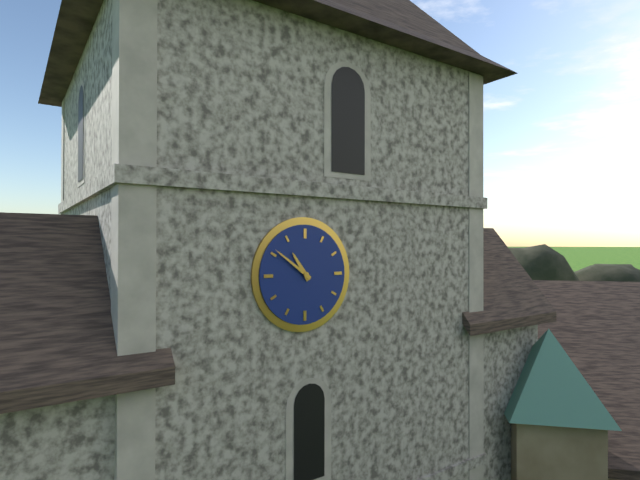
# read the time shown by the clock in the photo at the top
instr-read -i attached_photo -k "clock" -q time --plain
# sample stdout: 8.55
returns 10.51
